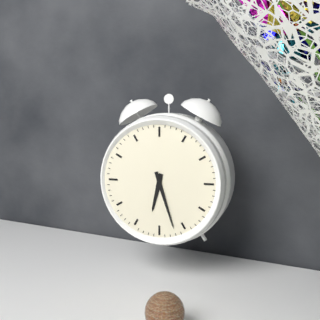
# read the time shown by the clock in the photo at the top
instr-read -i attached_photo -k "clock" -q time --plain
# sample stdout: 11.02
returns 6.27
